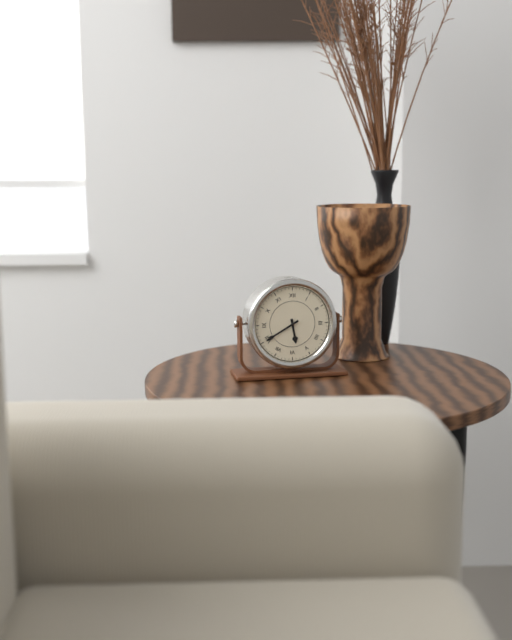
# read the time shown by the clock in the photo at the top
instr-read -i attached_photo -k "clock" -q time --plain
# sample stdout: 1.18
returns 5.40
